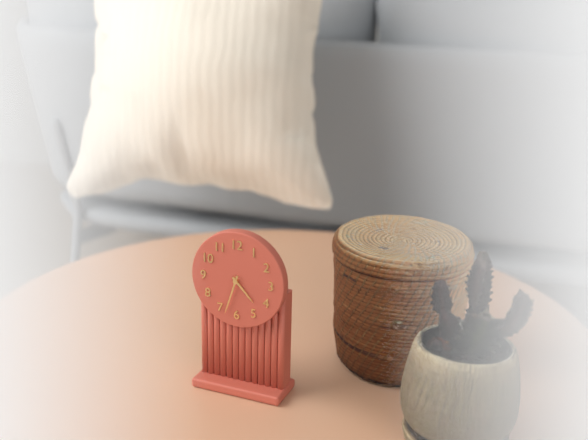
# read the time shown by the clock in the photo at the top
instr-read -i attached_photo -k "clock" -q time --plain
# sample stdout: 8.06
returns 4.33
